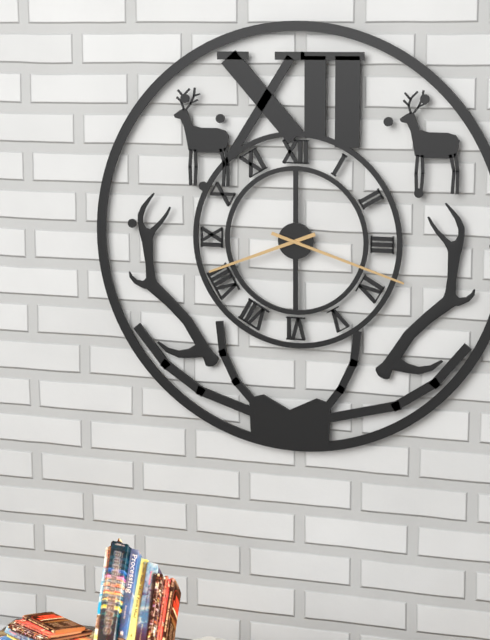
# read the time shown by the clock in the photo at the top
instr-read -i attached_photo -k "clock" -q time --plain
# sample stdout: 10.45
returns 8.18
